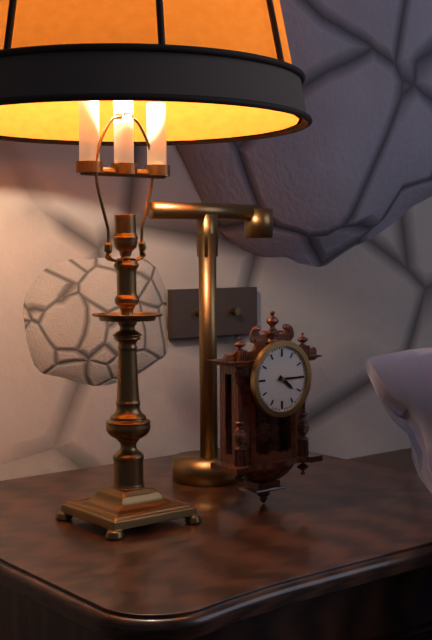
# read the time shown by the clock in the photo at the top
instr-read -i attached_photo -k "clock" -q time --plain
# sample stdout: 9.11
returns 4.15
